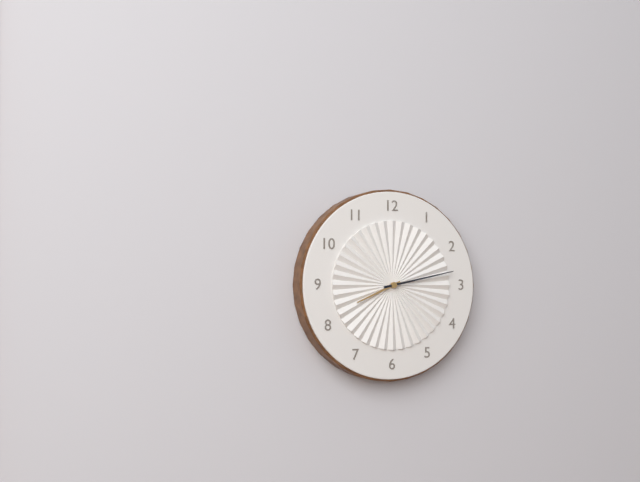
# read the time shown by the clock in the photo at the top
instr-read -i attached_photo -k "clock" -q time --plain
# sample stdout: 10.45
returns 8.13
